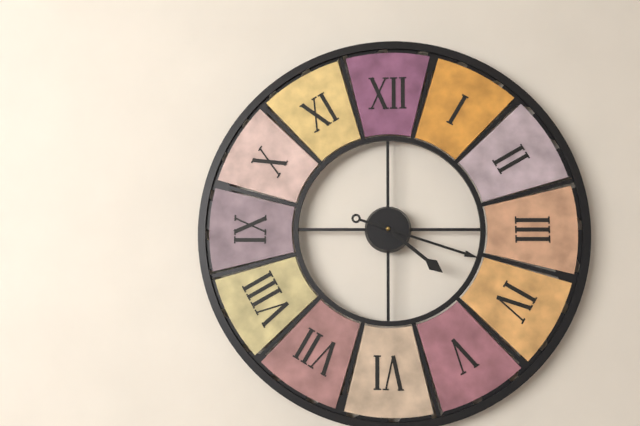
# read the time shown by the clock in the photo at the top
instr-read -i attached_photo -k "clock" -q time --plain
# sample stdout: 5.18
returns 4.18
